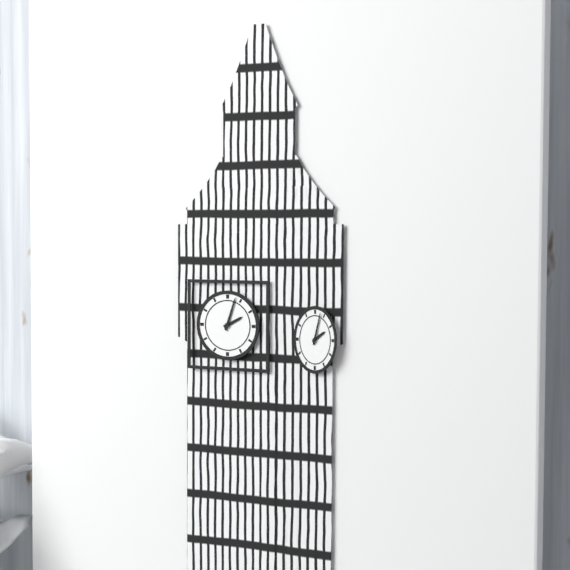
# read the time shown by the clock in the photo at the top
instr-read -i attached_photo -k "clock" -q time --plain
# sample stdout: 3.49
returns 2.03
